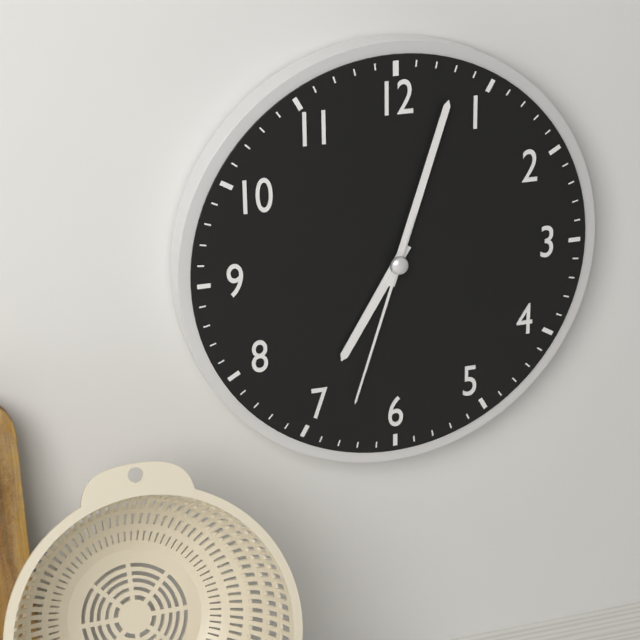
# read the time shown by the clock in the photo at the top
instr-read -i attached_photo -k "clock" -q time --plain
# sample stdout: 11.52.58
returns 7.03.33
